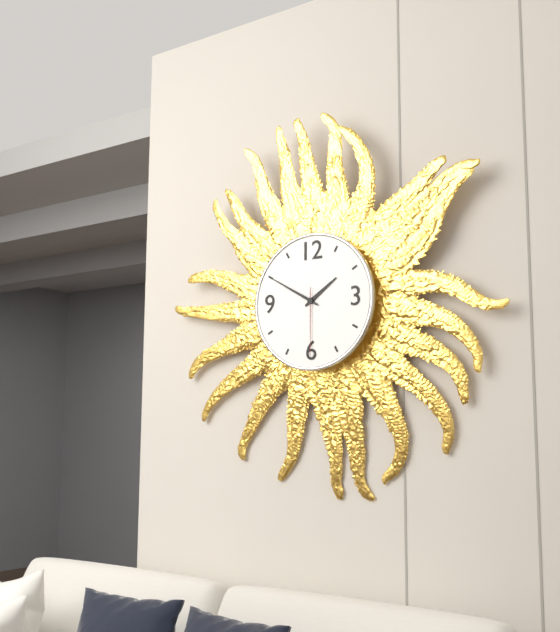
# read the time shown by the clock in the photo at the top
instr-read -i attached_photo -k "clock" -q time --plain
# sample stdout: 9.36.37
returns 1.50.30
